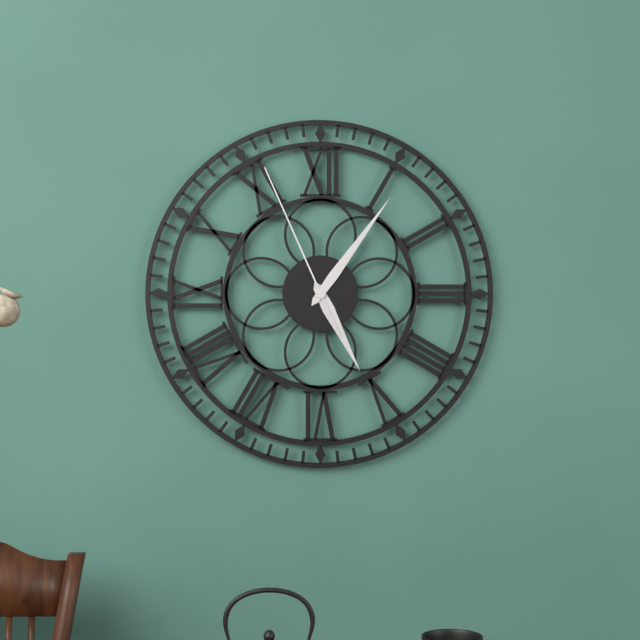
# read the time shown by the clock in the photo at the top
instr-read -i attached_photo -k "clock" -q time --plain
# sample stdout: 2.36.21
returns 5.06.56
